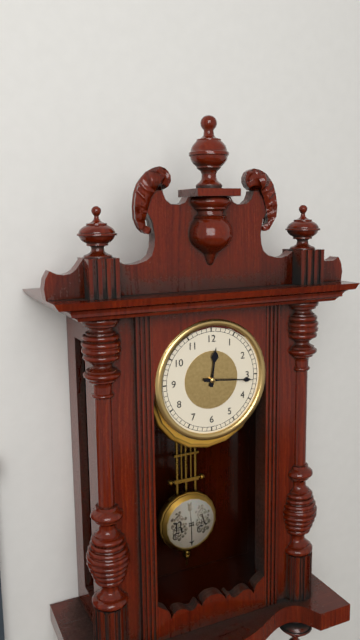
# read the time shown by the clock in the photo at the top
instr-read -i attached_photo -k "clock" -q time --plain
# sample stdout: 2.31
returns 12.16
